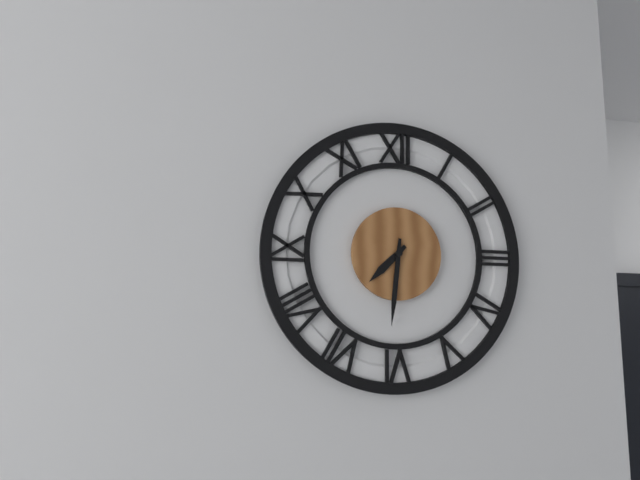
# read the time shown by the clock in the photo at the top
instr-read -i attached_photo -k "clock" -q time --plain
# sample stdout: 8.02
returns 7.31
